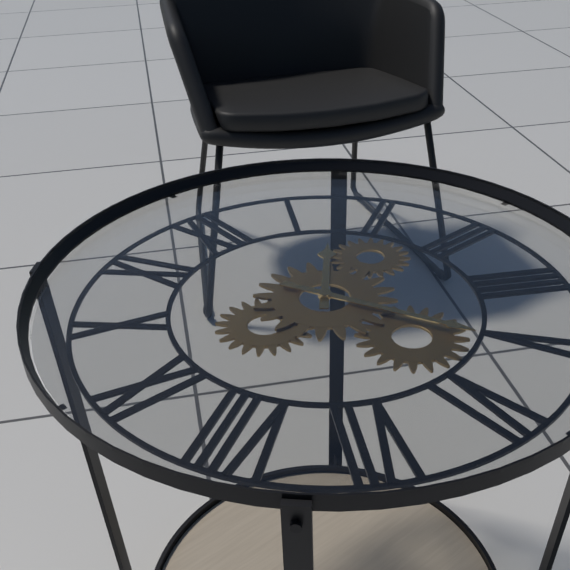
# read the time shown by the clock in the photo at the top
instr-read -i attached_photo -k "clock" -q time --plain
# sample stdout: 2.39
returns 1.26
